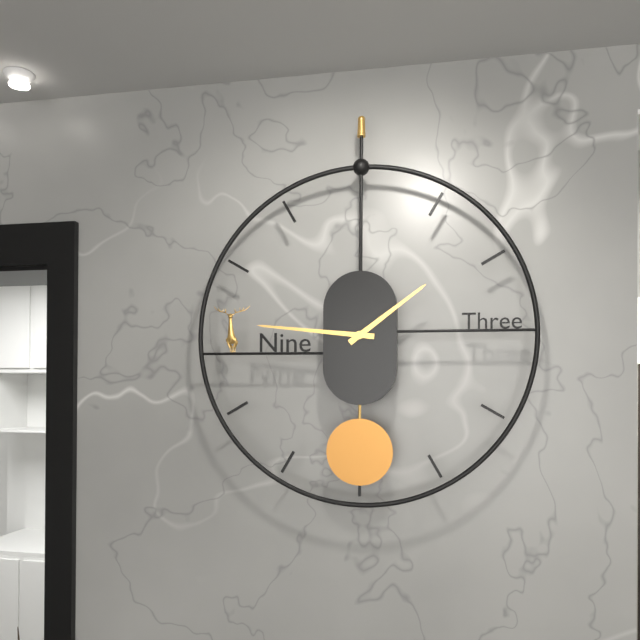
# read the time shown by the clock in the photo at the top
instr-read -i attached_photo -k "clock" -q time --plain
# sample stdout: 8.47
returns 1.46
